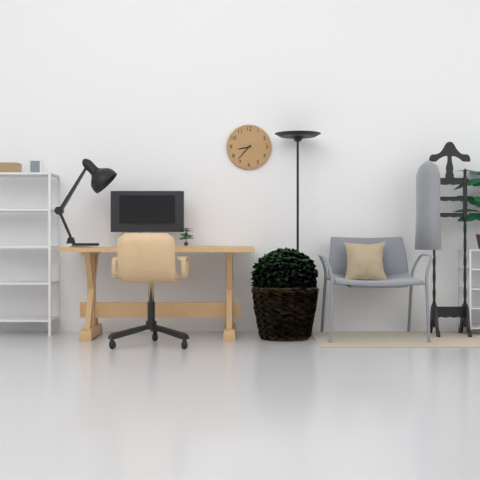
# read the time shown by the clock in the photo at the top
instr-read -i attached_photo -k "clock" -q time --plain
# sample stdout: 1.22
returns 8.37
